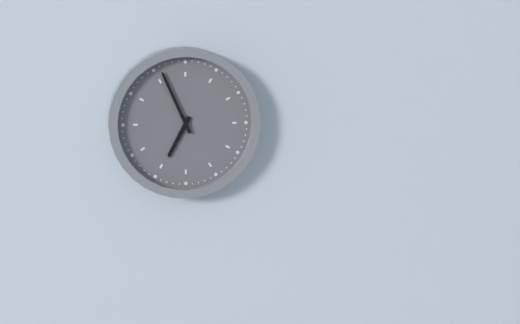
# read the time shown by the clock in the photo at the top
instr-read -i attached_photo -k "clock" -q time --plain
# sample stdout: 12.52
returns 6.56
